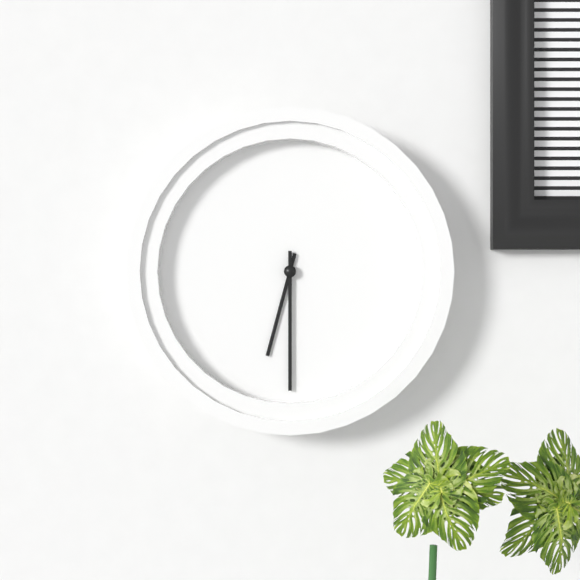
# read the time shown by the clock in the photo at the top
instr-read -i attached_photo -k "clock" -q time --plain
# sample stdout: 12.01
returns 6.30
